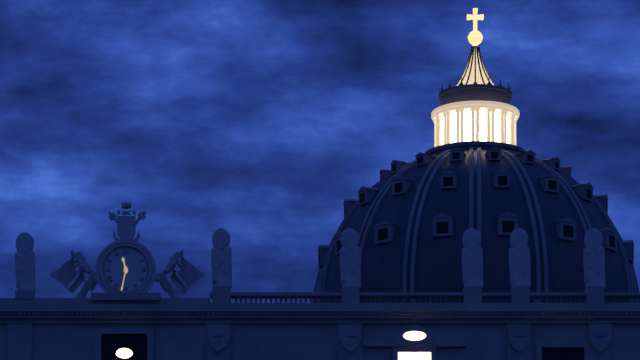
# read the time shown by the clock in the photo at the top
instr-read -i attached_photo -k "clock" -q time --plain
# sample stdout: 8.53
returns 11.32
